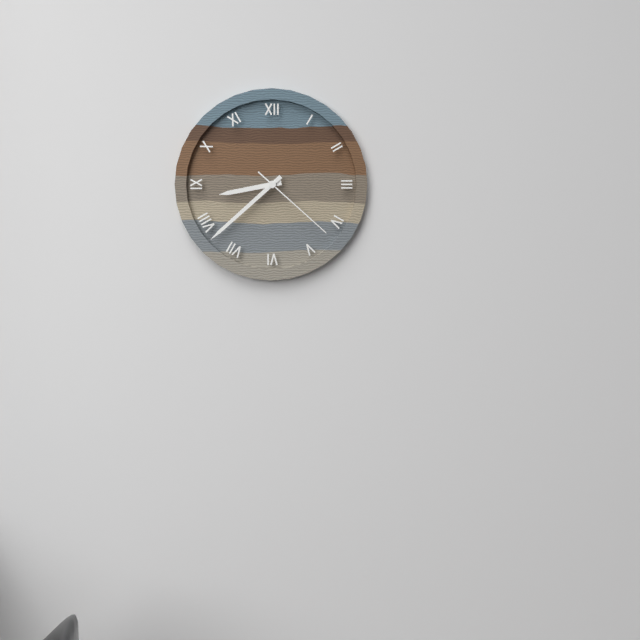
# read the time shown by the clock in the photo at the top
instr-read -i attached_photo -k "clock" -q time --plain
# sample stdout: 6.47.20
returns 8.38.22
